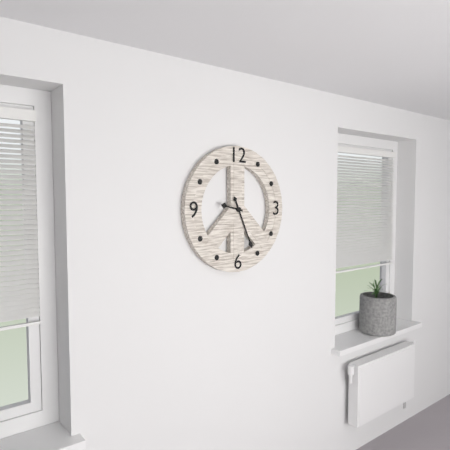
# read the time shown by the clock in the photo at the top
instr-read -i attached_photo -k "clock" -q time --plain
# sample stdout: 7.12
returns 9.26
